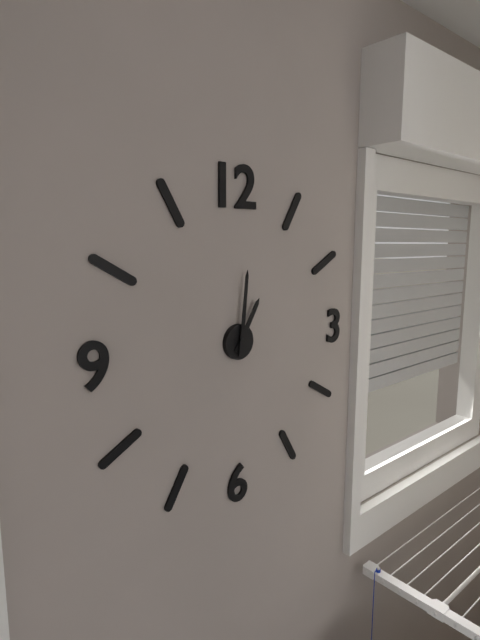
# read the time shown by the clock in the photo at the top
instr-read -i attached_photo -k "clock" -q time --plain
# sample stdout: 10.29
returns 1.01
